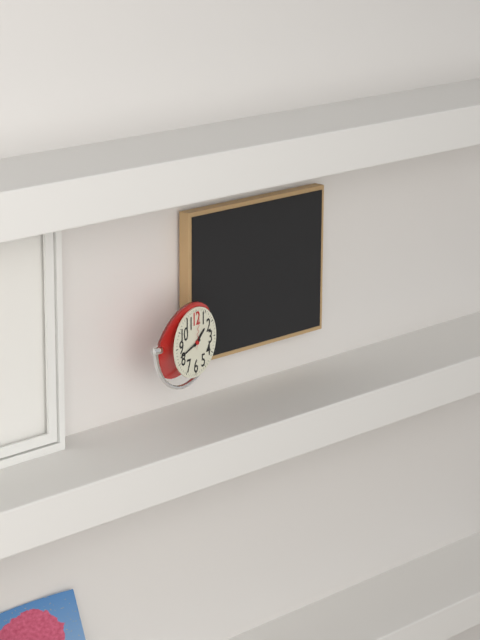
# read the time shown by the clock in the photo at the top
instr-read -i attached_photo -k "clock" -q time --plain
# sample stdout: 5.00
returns 1.42
